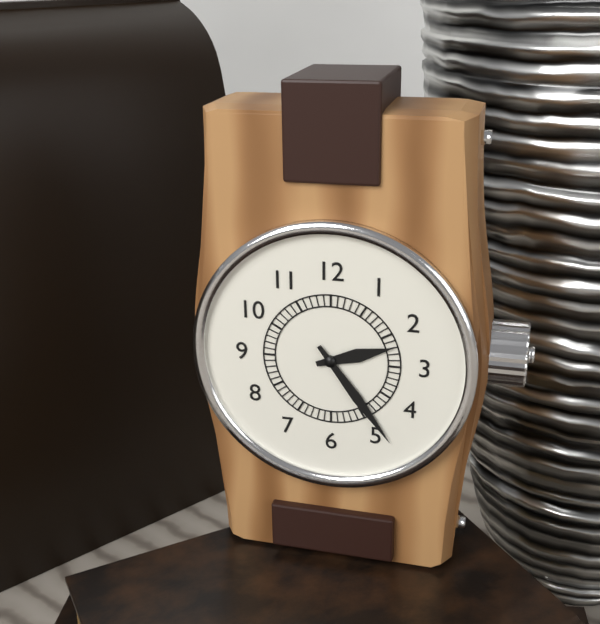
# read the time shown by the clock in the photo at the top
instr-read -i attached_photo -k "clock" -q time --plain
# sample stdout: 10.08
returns 2.24
